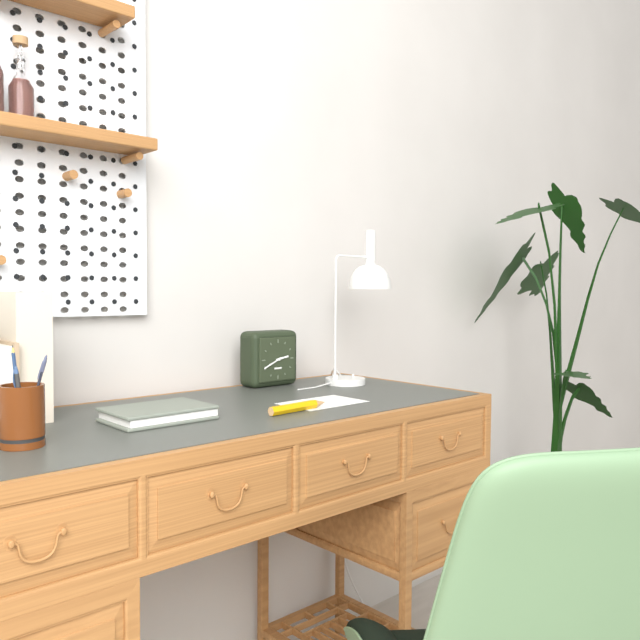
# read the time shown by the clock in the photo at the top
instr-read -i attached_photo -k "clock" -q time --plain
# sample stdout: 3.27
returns 2.41
